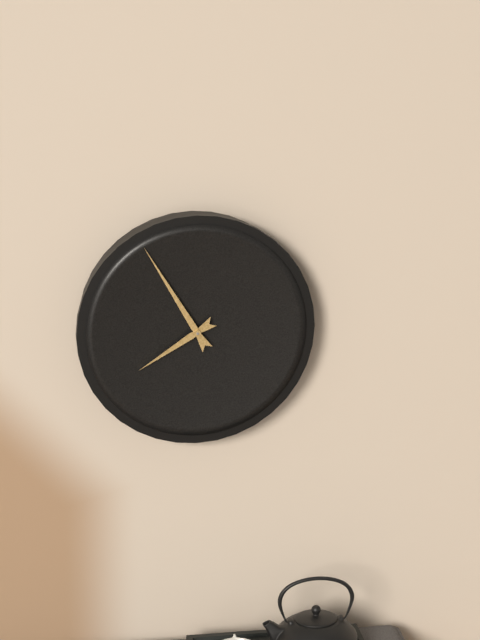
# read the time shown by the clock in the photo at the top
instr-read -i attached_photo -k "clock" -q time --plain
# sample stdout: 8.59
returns 7.55
